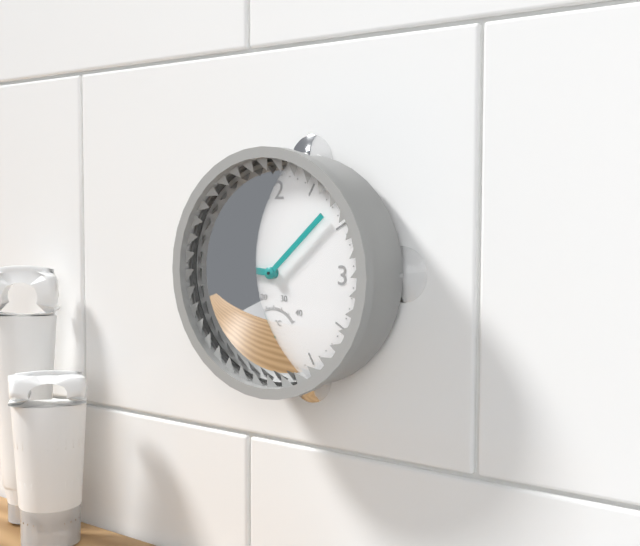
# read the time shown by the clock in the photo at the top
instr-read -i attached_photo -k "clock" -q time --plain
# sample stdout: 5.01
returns 9.08
